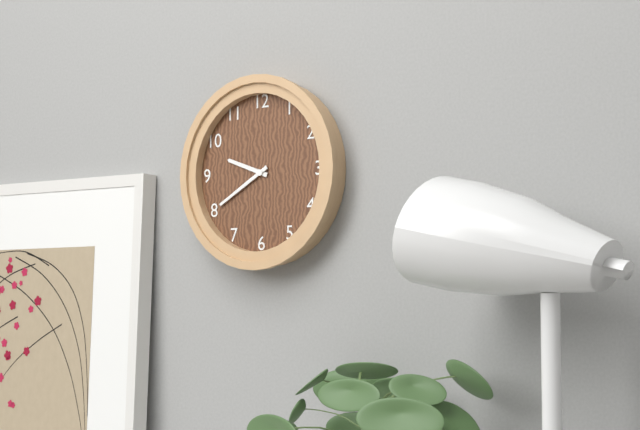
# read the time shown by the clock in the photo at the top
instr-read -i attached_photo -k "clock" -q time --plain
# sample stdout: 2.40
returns 9.40
